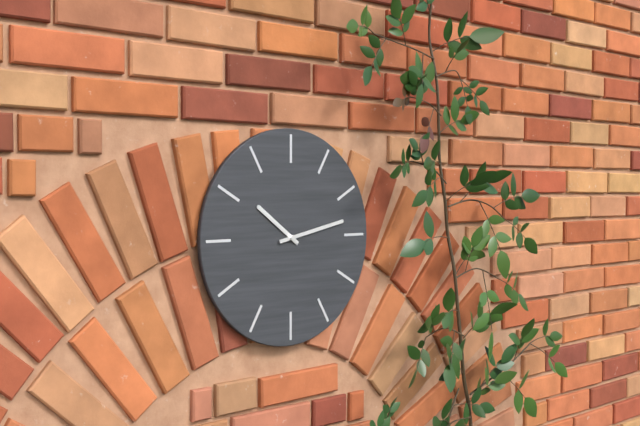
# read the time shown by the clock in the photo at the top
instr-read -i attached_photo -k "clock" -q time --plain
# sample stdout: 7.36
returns 10.13
